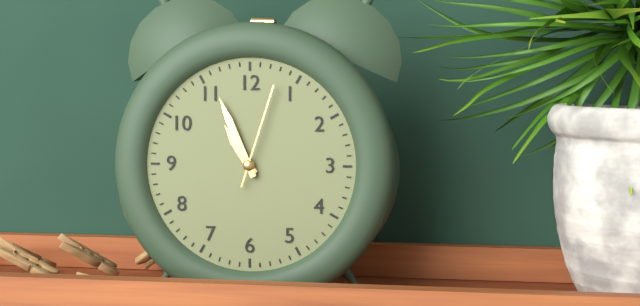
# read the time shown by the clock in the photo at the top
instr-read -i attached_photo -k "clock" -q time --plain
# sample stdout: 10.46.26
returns 10.56.03
